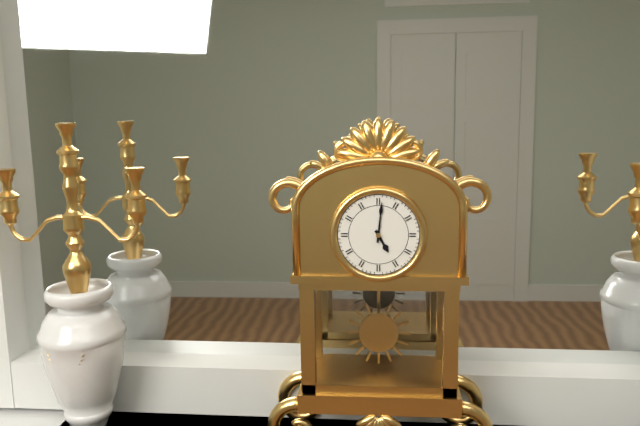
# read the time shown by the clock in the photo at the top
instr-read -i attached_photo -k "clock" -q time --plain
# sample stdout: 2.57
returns 5.01
